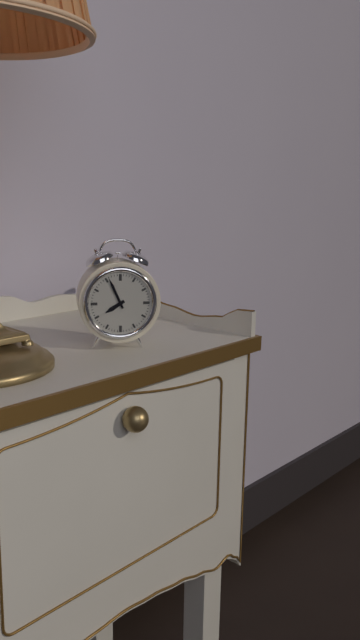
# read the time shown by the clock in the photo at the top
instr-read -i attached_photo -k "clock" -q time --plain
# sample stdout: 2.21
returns 7.56
